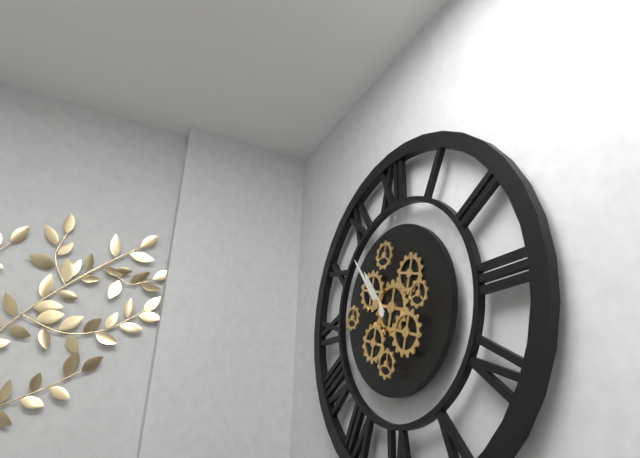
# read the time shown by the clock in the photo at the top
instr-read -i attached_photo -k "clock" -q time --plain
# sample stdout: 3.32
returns 10.54
